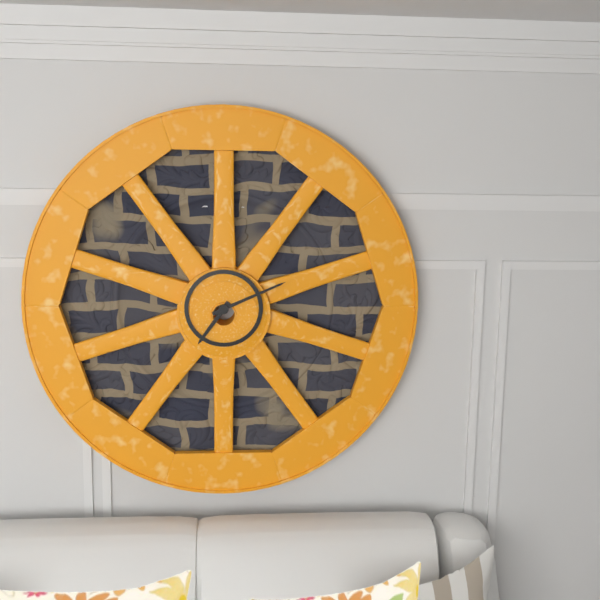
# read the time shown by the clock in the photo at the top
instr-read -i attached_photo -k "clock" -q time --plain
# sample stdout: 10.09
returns 7.11
